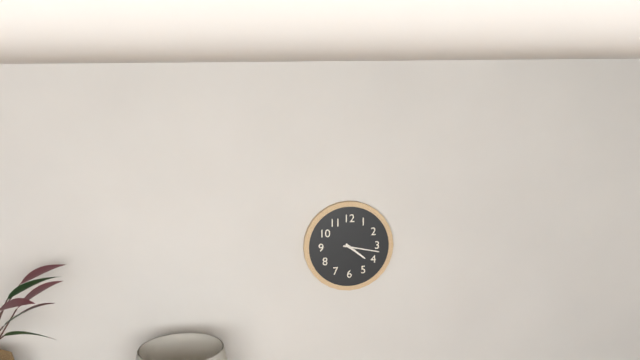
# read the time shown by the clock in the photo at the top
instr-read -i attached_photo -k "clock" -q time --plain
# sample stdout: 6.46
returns 4.17
